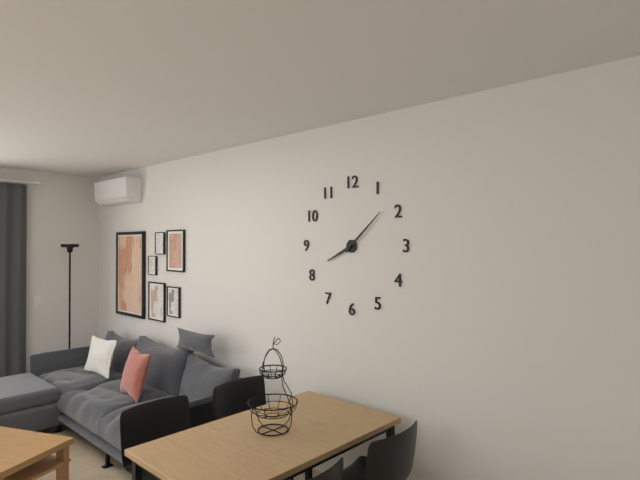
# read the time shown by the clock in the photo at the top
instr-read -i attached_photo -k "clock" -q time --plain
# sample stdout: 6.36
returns 8.08
